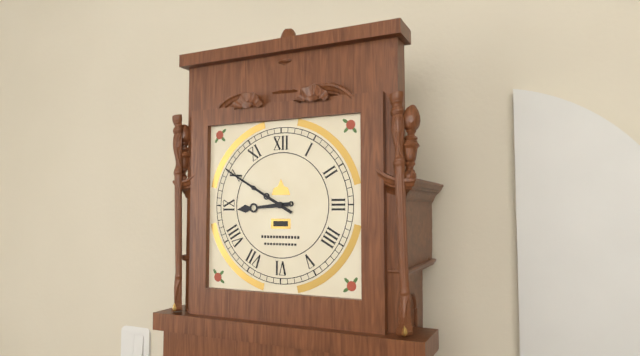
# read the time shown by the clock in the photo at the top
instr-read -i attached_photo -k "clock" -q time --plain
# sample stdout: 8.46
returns 8.50
